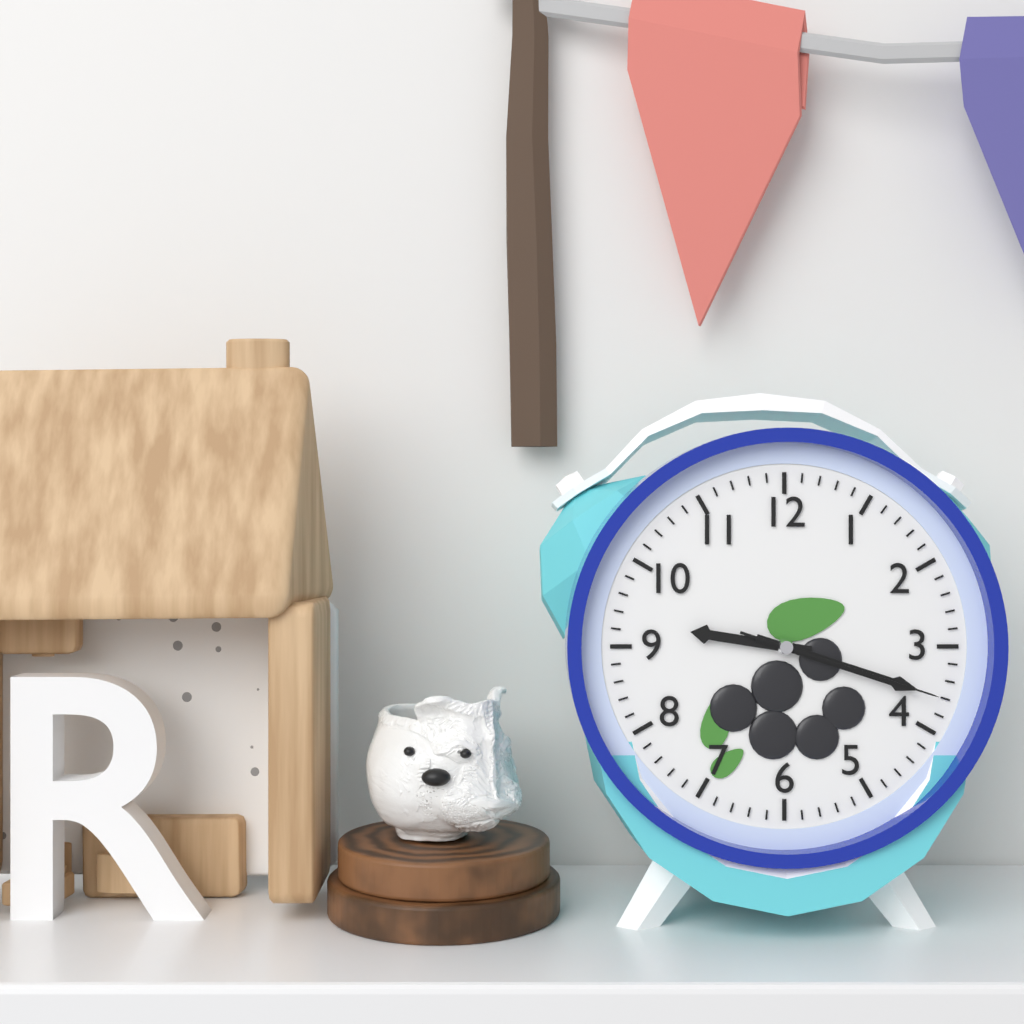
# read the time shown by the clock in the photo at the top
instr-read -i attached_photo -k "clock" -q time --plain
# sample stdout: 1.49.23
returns 9.18.18
